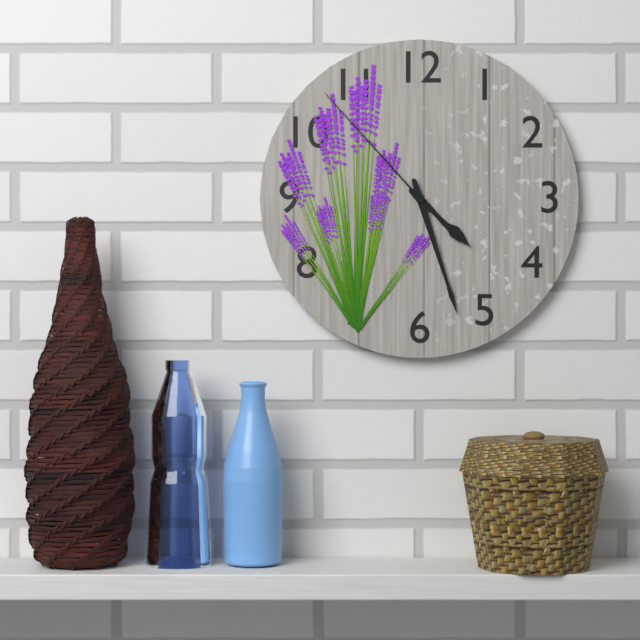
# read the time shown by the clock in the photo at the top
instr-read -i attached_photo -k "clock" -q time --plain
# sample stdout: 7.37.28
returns 4.27.53
